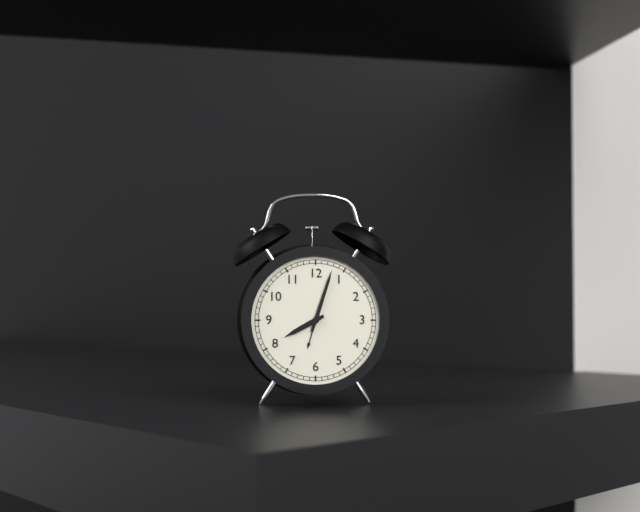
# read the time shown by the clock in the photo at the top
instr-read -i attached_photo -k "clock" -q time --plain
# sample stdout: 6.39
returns 8.03
